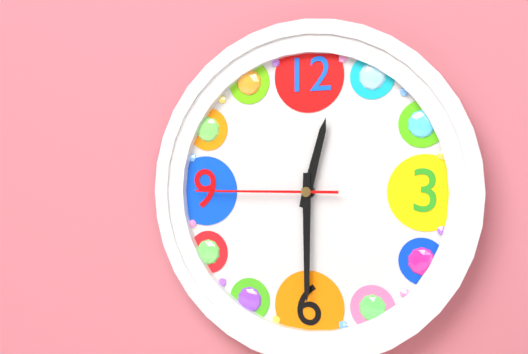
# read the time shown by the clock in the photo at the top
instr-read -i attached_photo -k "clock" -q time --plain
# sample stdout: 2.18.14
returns 12.30.45
